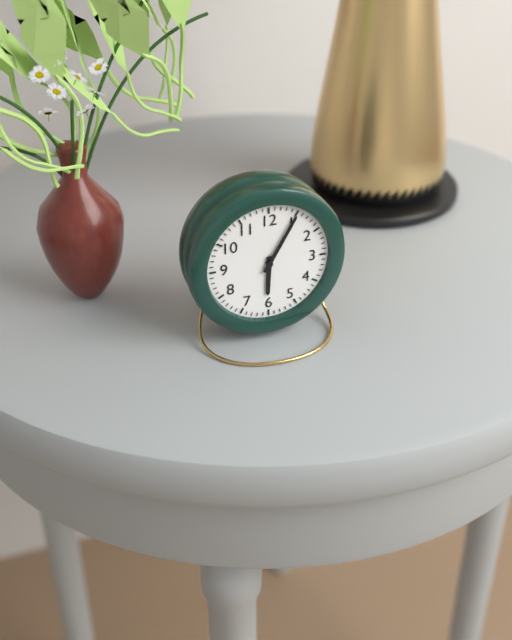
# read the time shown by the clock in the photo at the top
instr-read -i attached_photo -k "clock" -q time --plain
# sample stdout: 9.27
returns 6.05
